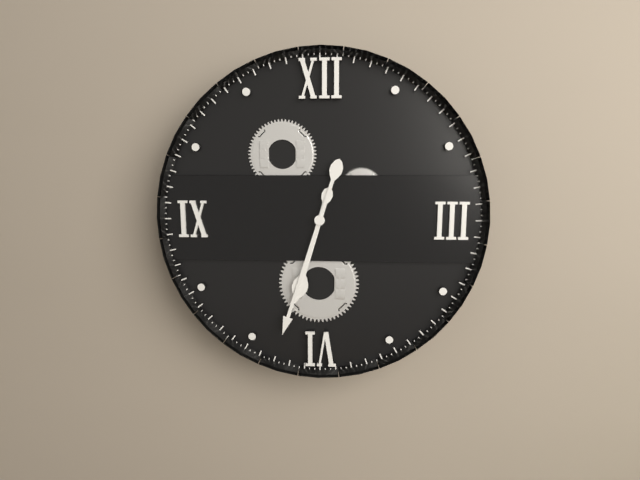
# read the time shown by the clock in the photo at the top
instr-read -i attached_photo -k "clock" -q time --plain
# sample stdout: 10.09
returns 6.33
